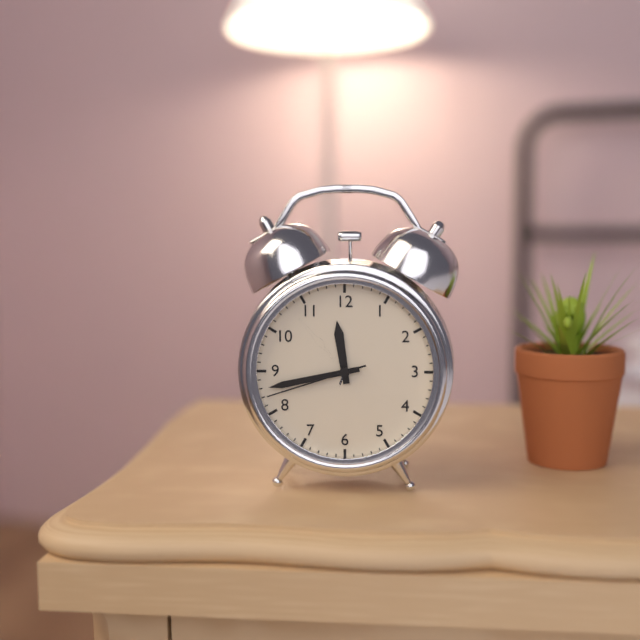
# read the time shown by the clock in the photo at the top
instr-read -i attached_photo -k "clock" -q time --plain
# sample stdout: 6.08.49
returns 11.43.42
